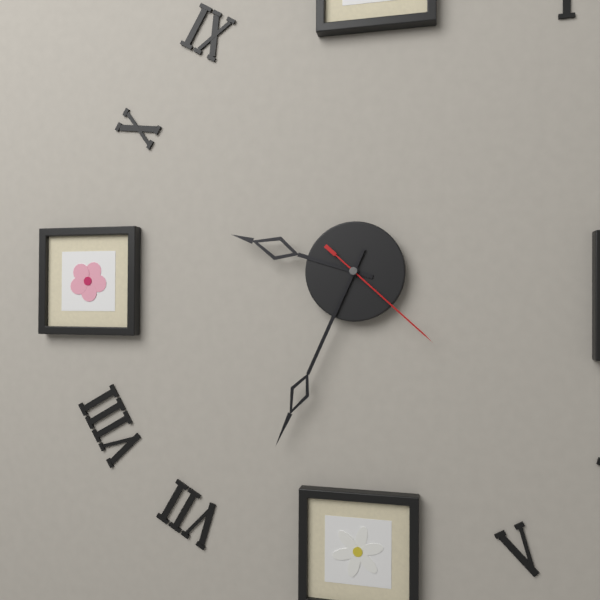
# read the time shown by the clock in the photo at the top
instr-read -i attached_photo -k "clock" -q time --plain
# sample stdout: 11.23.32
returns 9.34.22
